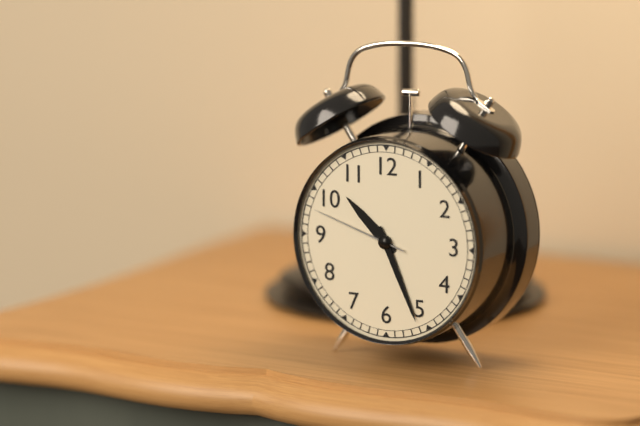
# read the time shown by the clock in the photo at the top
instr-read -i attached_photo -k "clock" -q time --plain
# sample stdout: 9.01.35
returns 10.26.48
